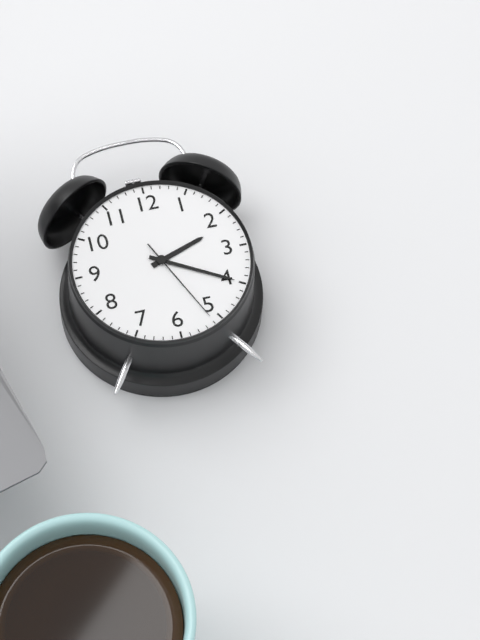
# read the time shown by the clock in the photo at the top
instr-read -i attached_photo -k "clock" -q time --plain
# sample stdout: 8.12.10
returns 2.20.26
